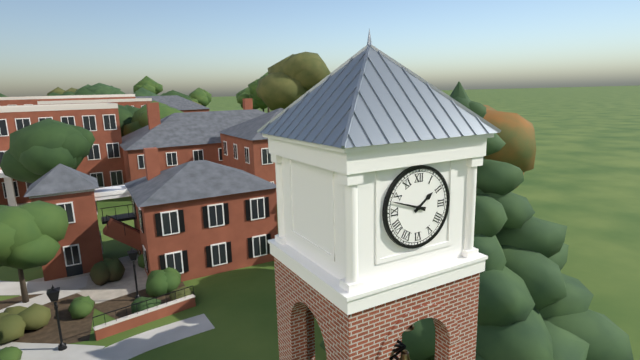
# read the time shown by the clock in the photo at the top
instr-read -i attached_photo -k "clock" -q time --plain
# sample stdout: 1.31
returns 1.48
